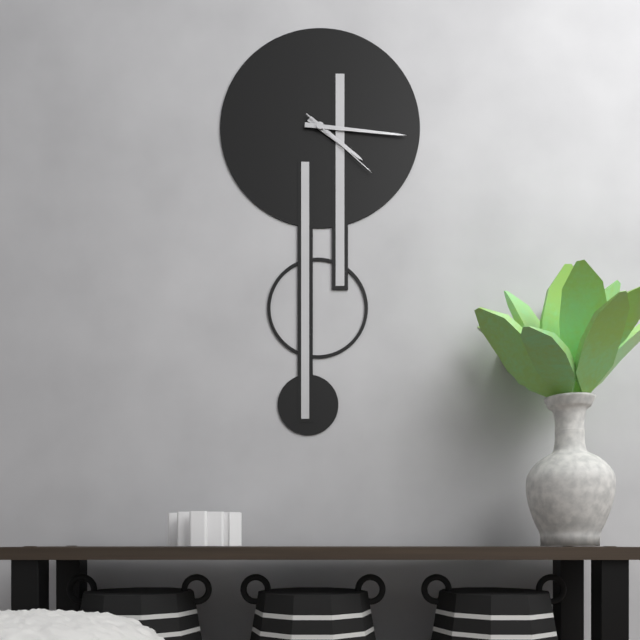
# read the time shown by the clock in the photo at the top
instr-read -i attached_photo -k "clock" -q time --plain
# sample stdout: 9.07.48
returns 4.16.22
